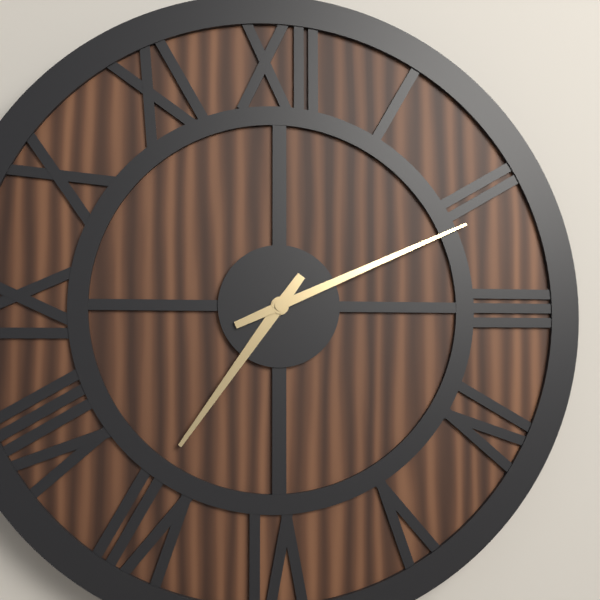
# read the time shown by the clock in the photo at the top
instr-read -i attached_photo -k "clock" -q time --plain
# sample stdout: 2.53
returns 7.11
